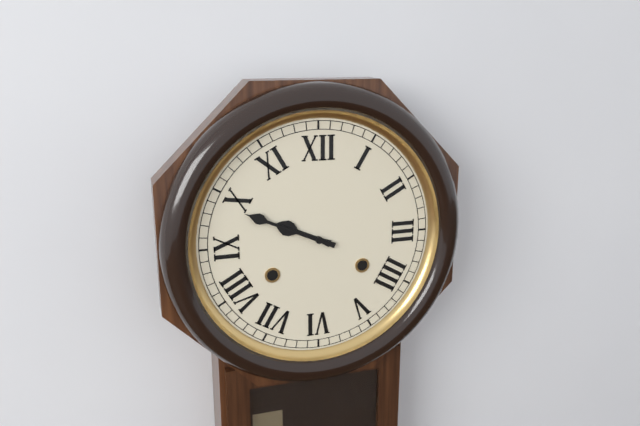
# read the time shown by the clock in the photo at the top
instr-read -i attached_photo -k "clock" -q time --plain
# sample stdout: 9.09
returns 9.49
